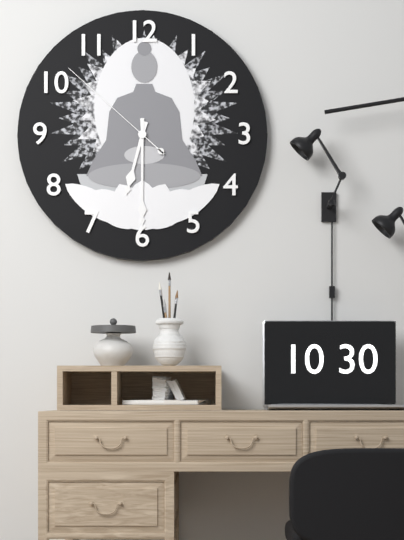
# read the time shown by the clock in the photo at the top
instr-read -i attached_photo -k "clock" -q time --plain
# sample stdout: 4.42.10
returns 6.30.52
